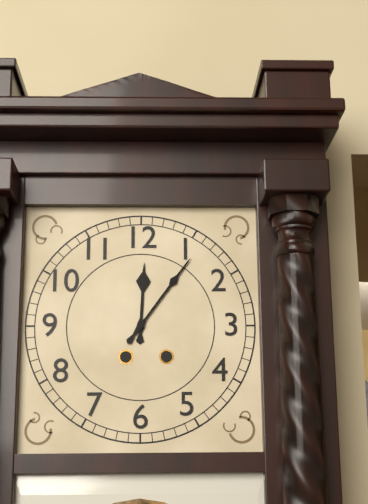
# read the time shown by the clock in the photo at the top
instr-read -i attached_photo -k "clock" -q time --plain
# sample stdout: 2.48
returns 12.06
